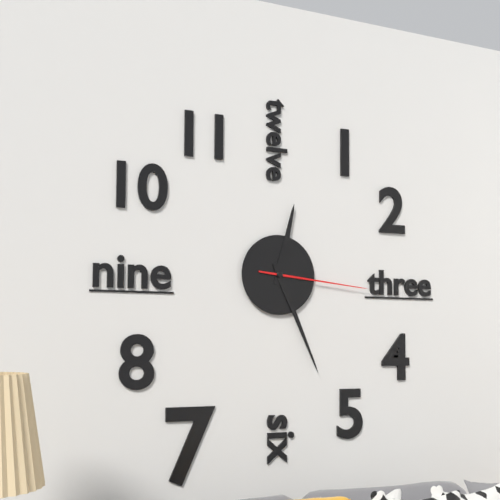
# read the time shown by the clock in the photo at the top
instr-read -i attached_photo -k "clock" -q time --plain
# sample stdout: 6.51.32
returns 12.26.16
